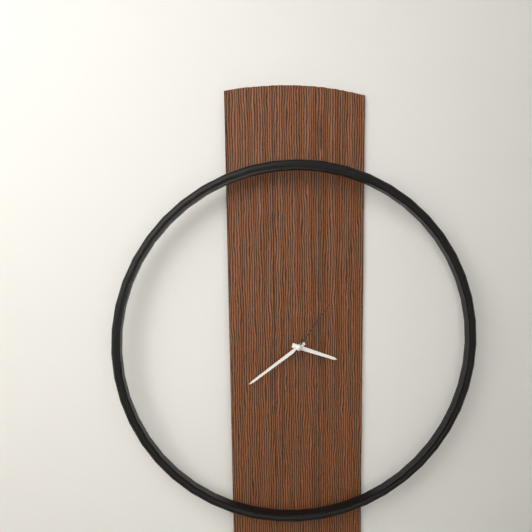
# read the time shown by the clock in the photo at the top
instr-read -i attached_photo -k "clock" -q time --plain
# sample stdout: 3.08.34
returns 3.39.06
